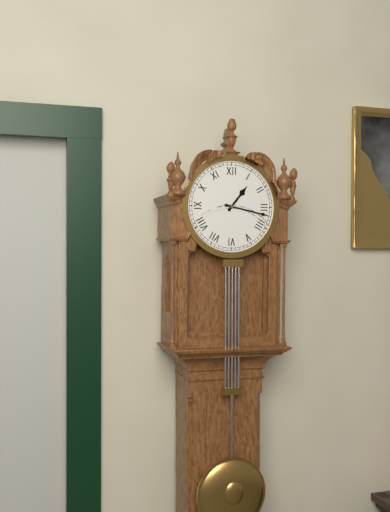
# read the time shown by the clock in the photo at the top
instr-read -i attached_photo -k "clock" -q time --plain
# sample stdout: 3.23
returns 1.17
